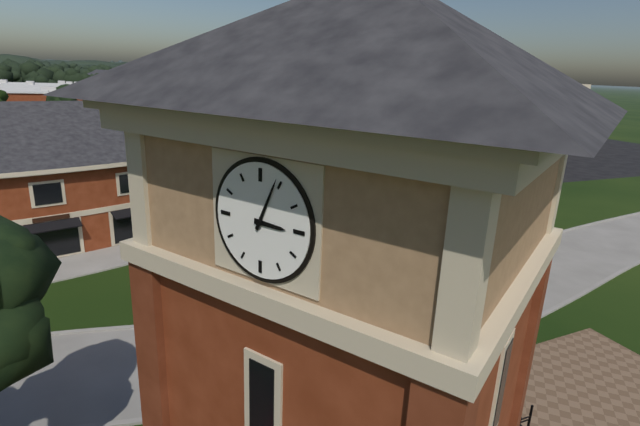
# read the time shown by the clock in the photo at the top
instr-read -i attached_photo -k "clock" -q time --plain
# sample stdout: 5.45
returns 3.04
